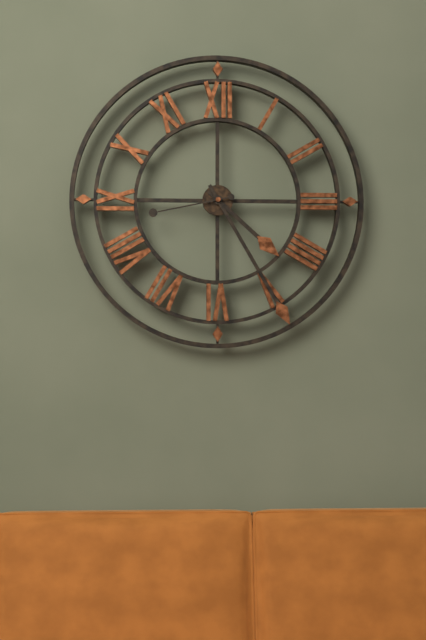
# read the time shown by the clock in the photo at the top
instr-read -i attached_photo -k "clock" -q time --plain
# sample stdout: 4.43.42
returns 4.25.43
